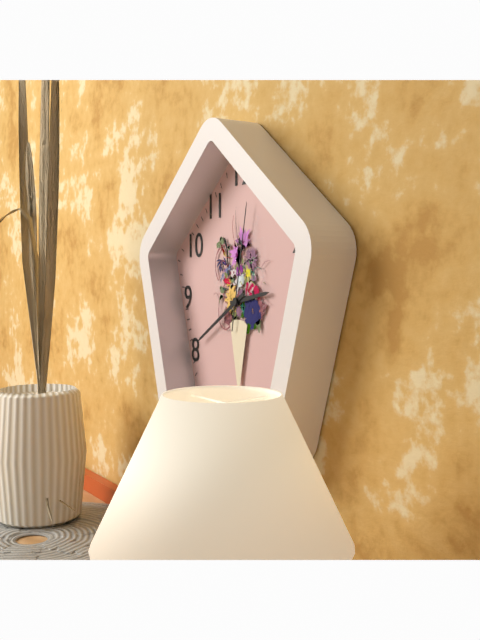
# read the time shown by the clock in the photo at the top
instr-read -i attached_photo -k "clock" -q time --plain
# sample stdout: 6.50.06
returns 2.40.02
